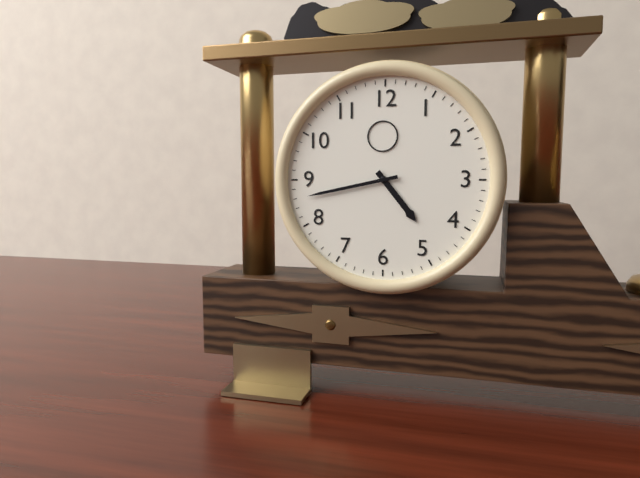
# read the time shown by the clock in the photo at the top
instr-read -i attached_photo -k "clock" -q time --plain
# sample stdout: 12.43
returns 4.43
